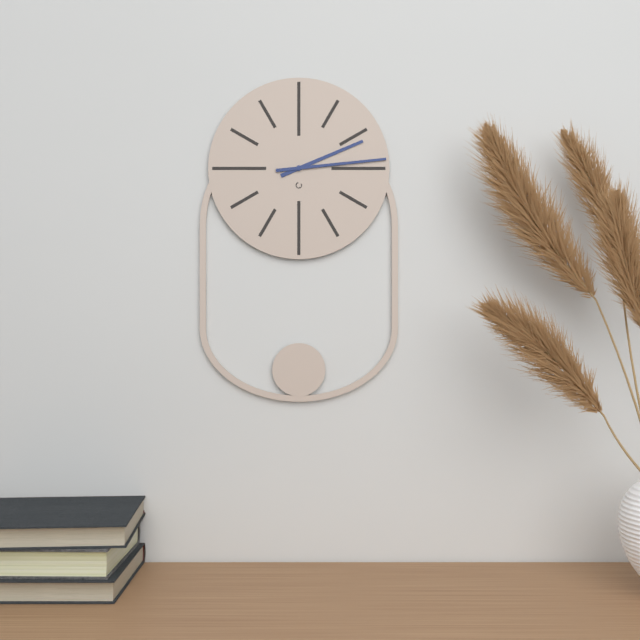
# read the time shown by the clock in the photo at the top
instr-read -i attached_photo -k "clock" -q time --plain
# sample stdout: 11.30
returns 2.14
